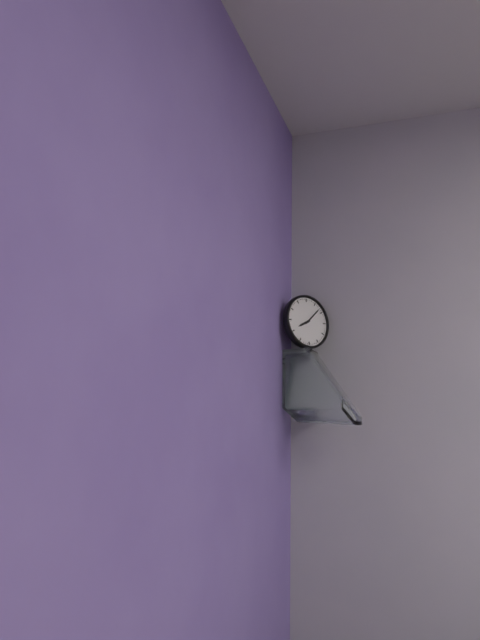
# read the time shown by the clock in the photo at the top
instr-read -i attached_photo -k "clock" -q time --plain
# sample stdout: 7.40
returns 8.08
